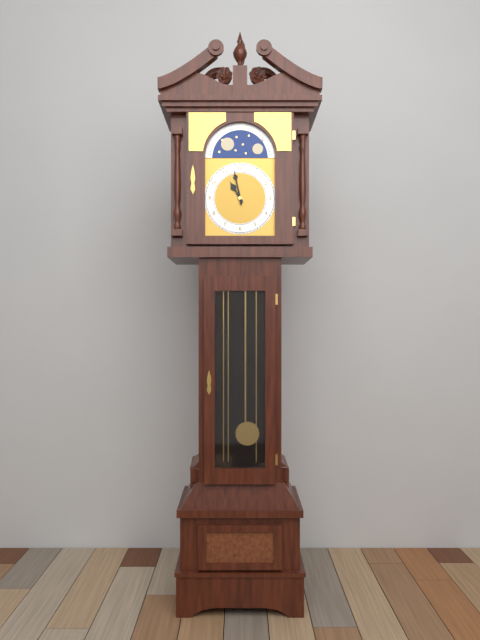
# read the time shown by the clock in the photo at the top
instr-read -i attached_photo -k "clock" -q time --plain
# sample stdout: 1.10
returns 10.58
